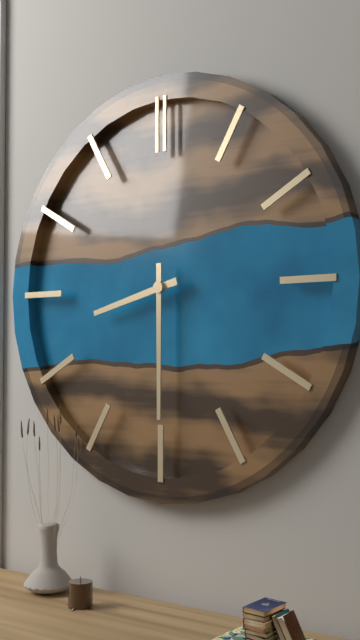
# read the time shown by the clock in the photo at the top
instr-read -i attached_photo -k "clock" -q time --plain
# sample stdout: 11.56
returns 8.30
